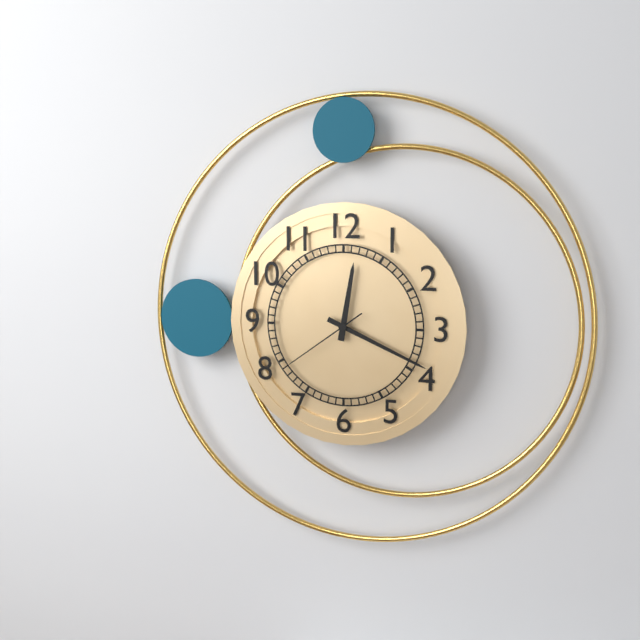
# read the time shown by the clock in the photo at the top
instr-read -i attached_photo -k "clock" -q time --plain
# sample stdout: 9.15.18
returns 12.19.39
